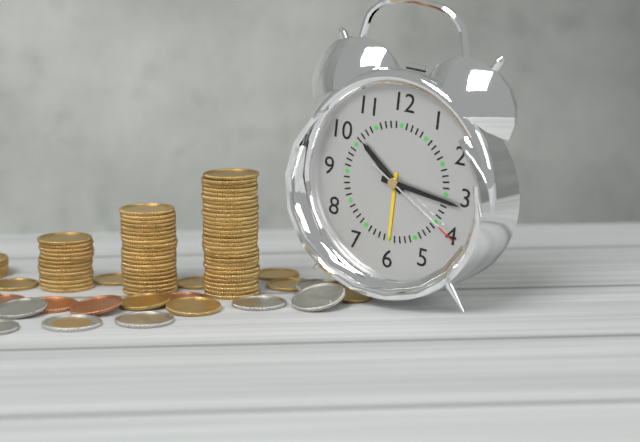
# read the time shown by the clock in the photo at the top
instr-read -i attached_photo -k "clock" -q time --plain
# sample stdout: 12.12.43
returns 10.16.20
